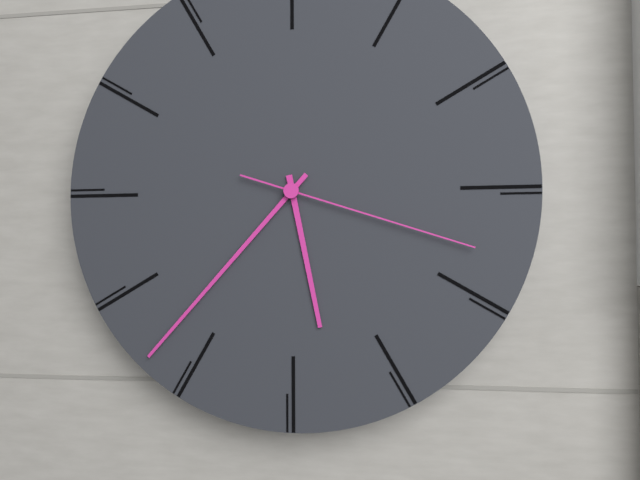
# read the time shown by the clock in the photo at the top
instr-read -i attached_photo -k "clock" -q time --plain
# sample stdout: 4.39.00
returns 5.37.18
